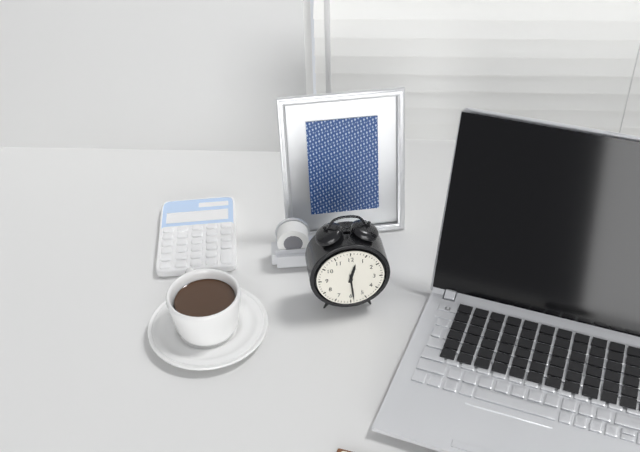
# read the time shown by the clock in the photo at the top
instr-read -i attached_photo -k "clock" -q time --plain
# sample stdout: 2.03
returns 12.29
